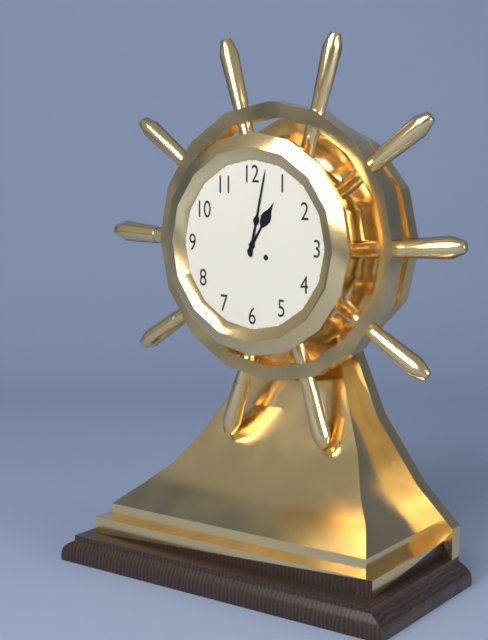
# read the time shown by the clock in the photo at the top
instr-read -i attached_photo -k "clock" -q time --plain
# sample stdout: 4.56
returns 1.02
